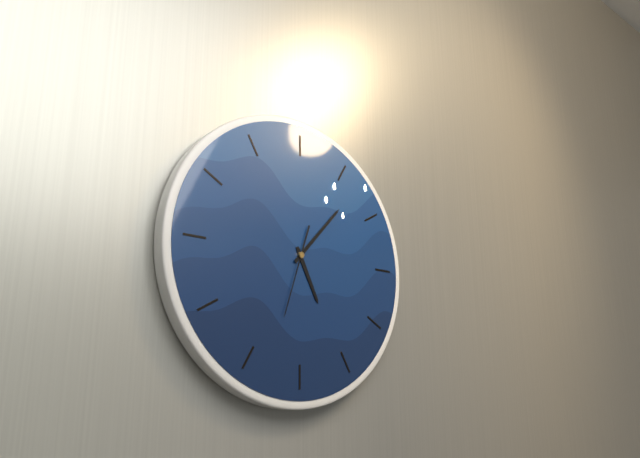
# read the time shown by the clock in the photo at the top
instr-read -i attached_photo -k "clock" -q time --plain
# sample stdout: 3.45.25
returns 5.07.33
